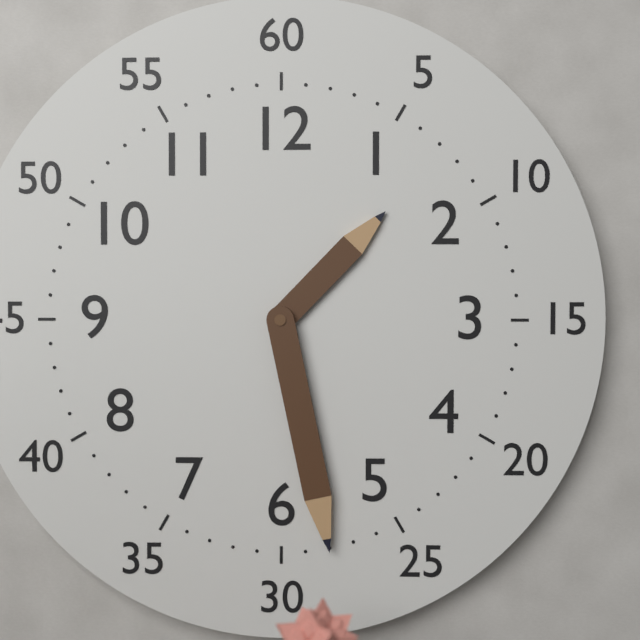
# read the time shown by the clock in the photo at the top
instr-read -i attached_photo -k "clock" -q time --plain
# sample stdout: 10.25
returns 1.28
